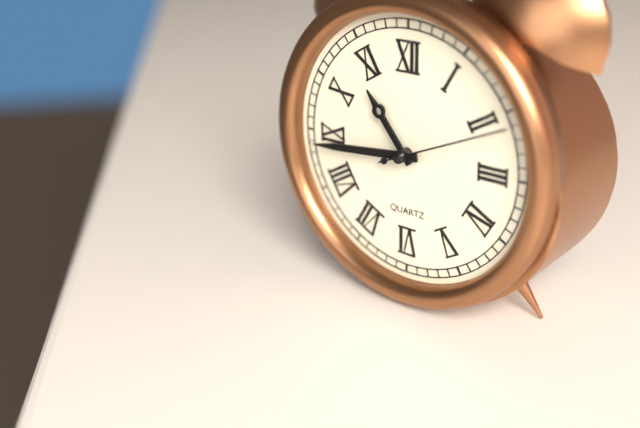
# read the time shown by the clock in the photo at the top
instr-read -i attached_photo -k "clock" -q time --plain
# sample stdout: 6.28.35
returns 10.44.11
